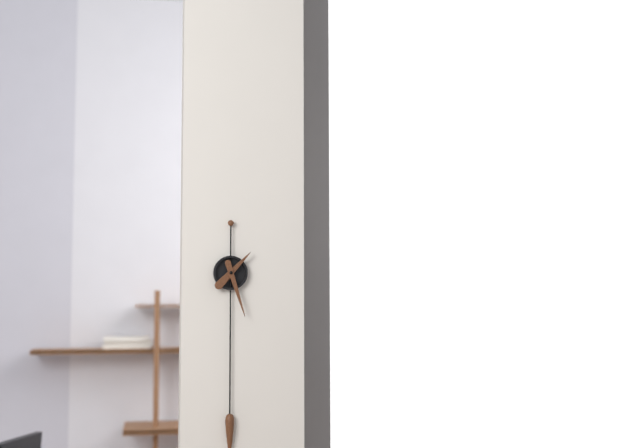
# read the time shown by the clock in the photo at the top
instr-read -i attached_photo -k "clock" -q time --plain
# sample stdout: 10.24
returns 1.27
